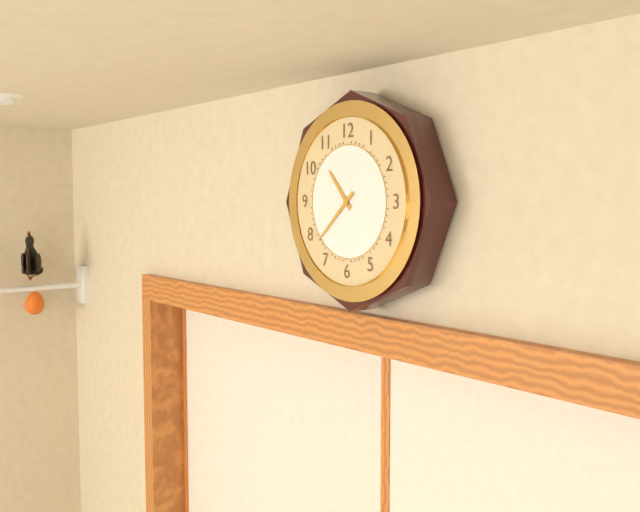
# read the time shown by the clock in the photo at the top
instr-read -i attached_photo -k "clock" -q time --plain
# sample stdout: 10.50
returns 10.38
